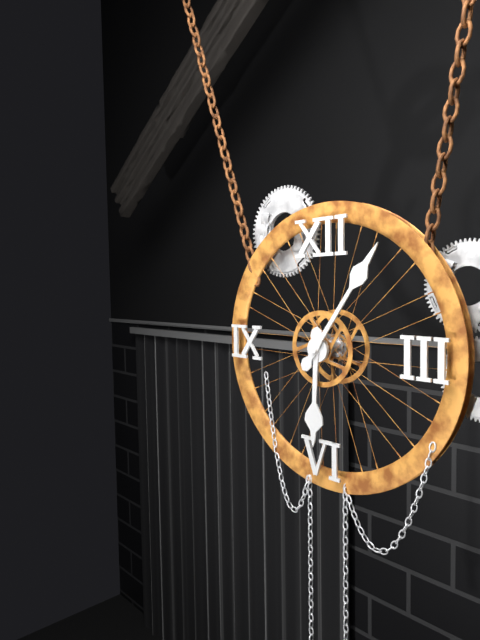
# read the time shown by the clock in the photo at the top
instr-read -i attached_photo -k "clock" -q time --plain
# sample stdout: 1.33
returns 6.06
